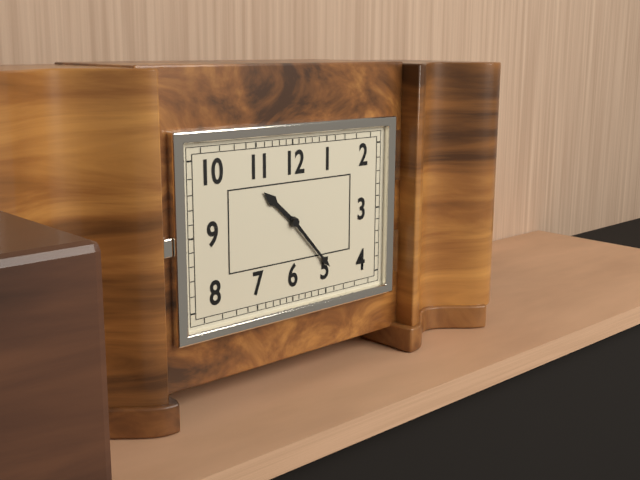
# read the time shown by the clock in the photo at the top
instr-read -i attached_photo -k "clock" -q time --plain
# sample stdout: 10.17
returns 10.23
